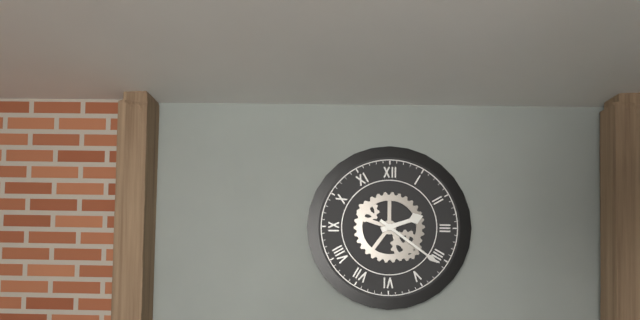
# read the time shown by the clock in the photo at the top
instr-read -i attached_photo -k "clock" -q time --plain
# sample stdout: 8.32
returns 2.21
